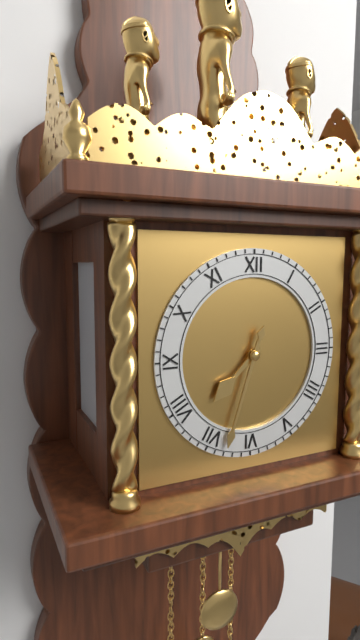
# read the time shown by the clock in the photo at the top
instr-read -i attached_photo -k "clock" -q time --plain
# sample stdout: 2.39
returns 7.33
